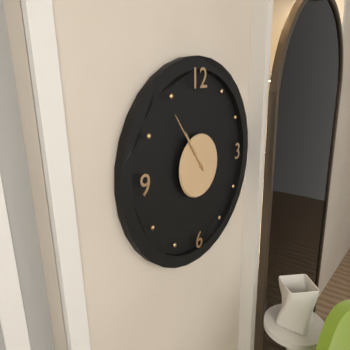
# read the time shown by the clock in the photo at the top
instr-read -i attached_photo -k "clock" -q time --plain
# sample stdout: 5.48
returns 10.54
